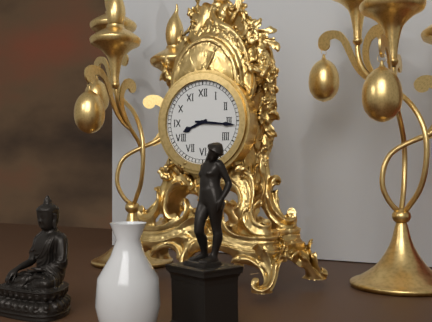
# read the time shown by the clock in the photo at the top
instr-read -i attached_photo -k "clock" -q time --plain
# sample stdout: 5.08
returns 8.16
